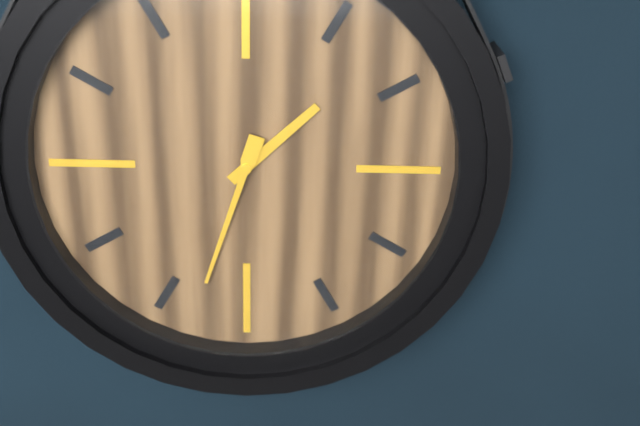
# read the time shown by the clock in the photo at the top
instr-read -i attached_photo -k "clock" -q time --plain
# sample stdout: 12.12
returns 1.33
